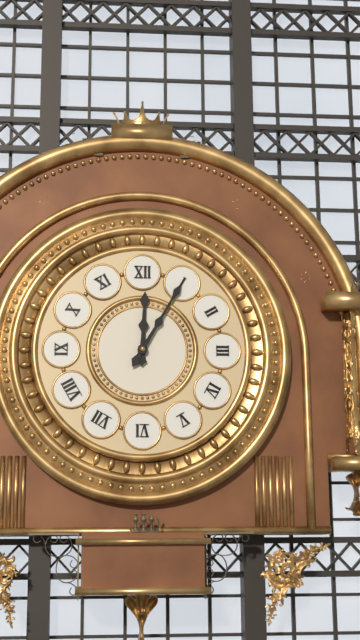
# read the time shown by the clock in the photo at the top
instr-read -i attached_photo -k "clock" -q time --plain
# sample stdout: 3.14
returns 12.05
